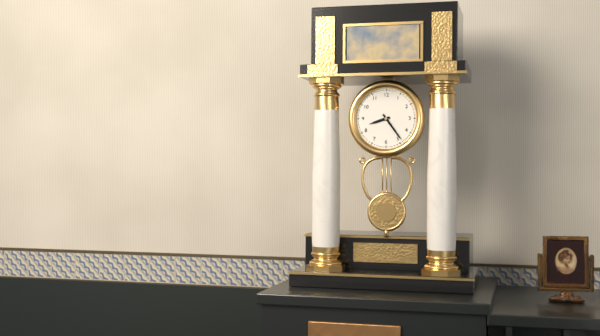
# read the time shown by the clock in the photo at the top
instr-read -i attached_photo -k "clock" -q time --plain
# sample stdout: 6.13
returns 8.24
